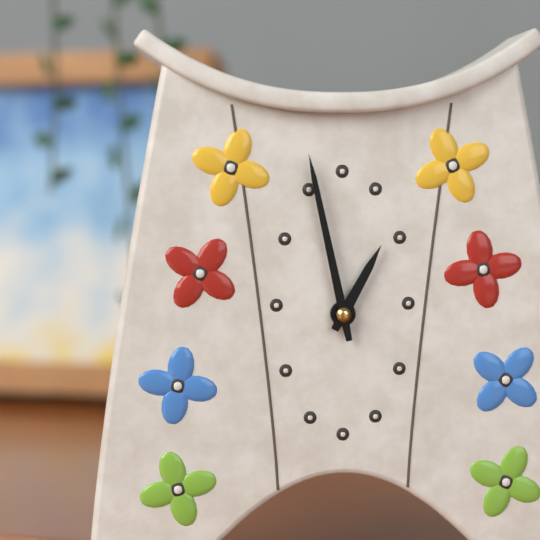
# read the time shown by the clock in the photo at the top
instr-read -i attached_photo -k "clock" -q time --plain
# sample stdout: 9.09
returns 12.58
